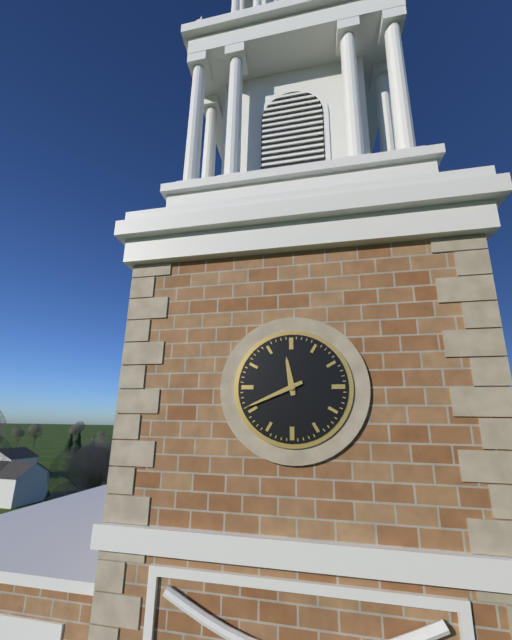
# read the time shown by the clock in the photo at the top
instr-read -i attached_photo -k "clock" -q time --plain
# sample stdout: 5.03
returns 11.41
